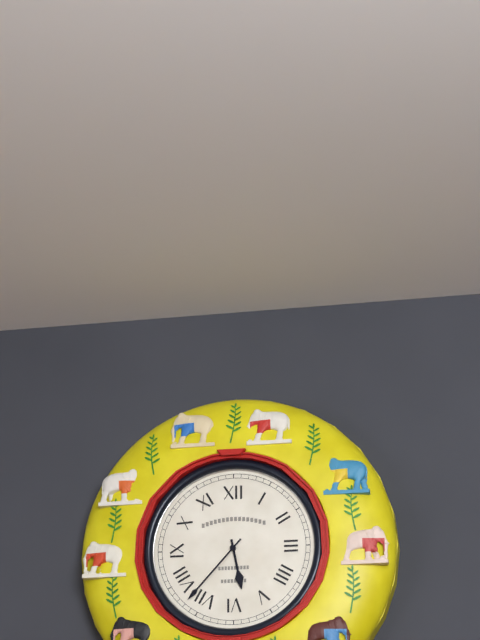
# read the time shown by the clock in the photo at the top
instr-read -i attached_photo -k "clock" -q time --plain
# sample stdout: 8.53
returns 5.37
